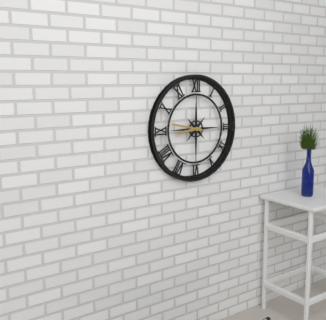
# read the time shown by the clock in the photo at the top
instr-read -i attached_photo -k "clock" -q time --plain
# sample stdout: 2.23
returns 8.47
